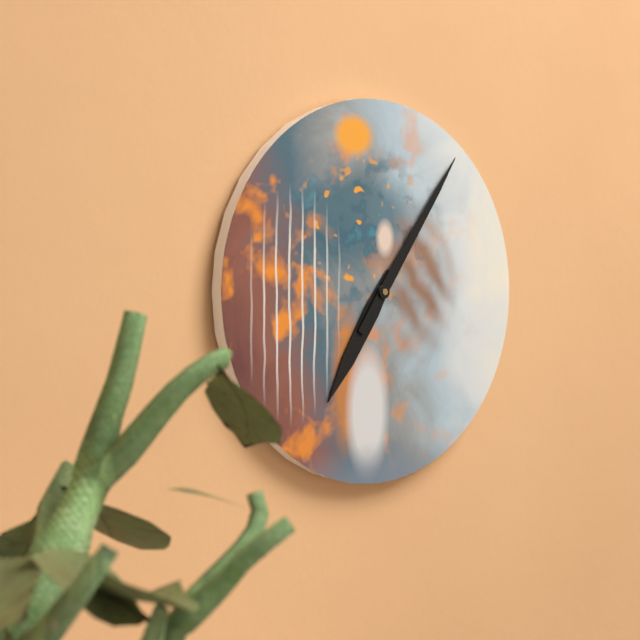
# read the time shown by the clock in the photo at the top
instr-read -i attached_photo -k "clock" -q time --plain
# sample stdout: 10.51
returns 7.06
